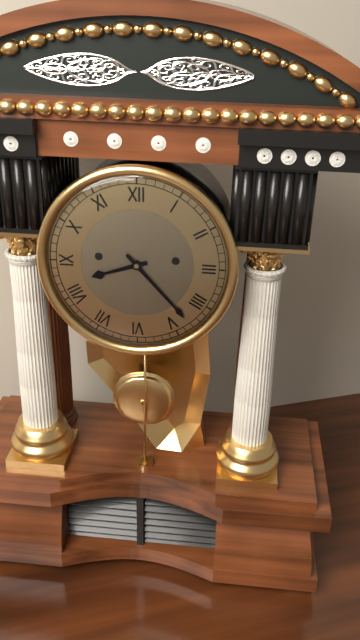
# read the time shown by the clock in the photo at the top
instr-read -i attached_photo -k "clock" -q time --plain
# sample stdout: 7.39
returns 8.23
